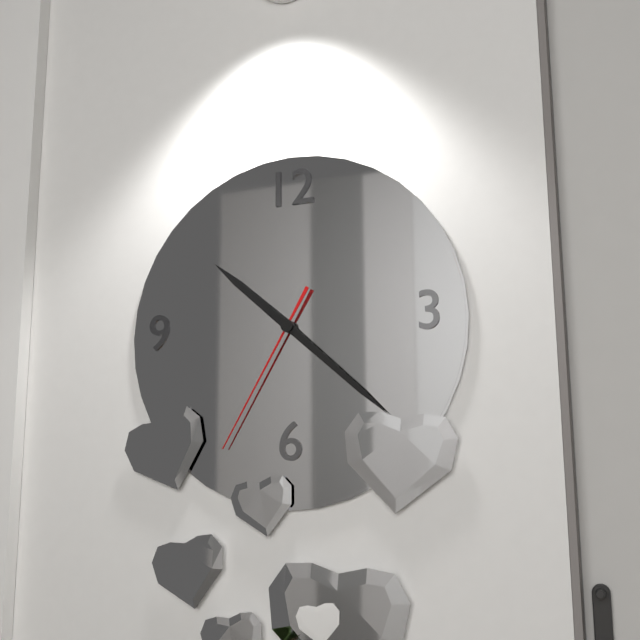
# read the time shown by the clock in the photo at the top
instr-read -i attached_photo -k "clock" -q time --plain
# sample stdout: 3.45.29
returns 10.22.35
